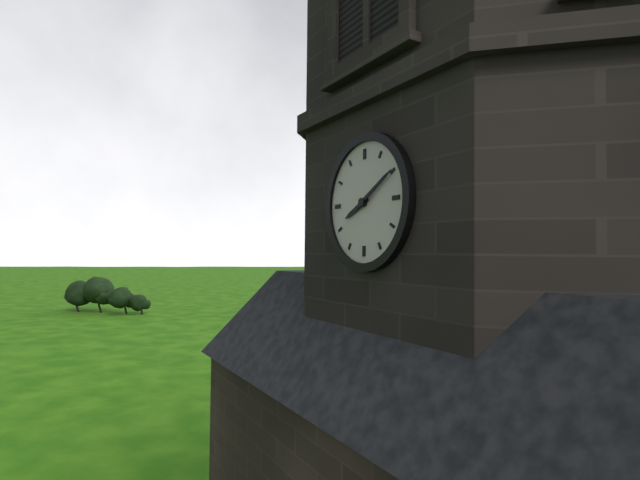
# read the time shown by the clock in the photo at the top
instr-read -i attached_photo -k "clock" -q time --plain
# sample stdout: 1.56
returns 8.10
